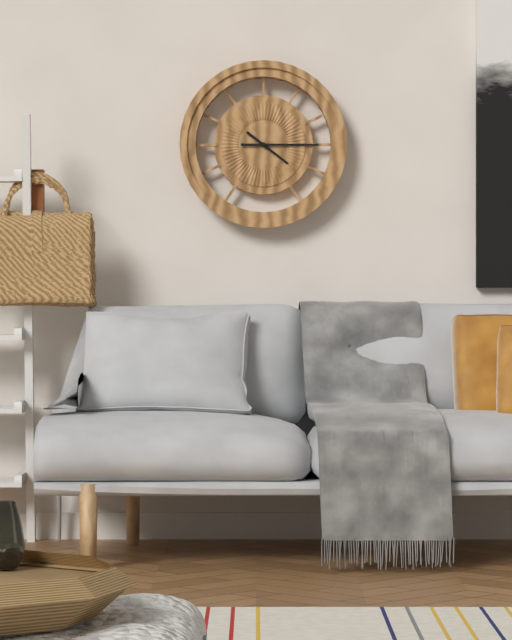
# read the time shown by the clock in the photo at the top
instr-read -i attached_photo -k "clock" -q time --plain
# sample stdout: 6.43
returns 4.15
